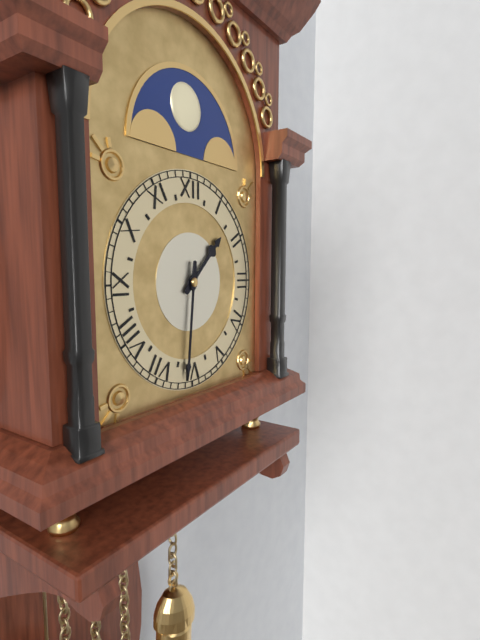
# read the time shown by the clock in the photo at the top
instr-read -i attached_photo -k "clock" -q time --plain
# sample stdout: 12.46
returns 1.31
